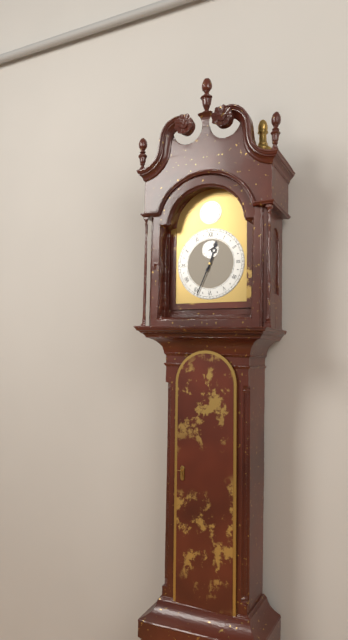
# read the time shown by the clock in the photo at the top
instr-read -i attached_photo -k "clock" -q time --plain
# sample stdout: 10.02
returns 12.34
